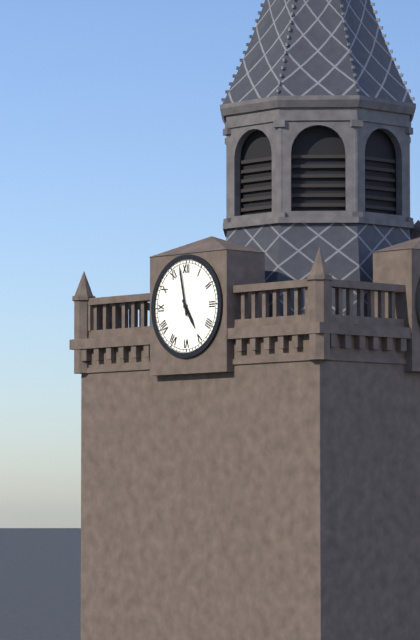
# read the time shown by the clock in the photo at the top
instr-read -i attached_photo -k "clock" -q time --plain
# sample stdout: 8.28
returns 4.58
